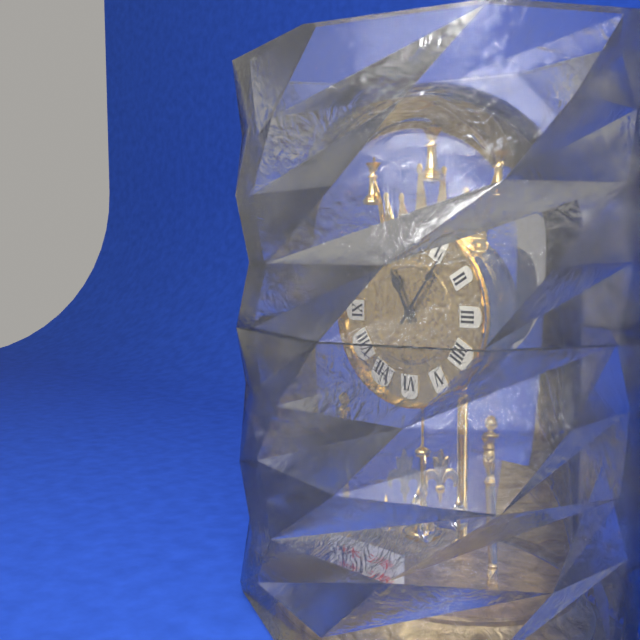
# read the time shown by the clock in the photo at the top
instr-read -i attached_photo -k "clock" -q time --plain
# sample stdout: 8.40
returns 11.06
